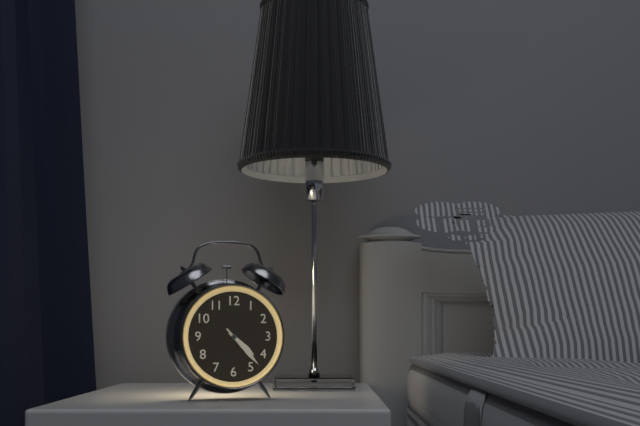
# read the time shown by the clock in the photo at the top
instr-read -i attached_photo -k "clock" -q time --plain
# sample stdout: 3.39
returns 4.23
